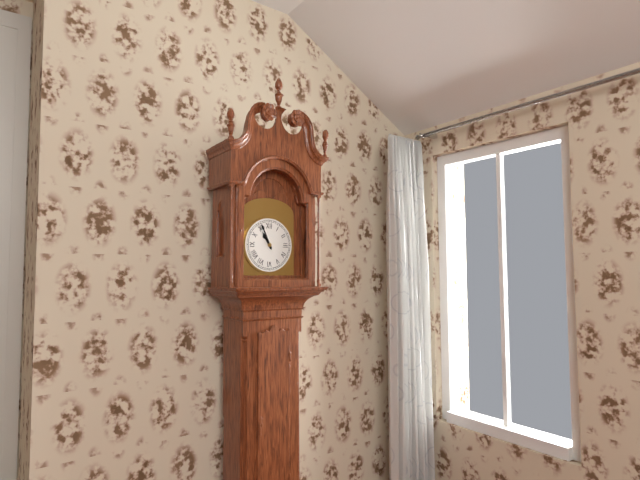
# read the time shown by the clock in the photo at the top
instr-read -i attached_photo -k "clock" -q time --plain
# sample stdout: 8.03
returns 10.56
